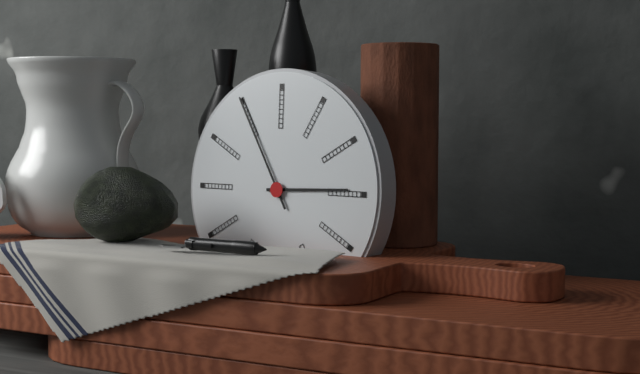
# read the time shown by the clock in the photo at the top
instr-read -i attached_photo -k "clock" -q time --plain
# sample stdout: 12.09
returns 2.55
